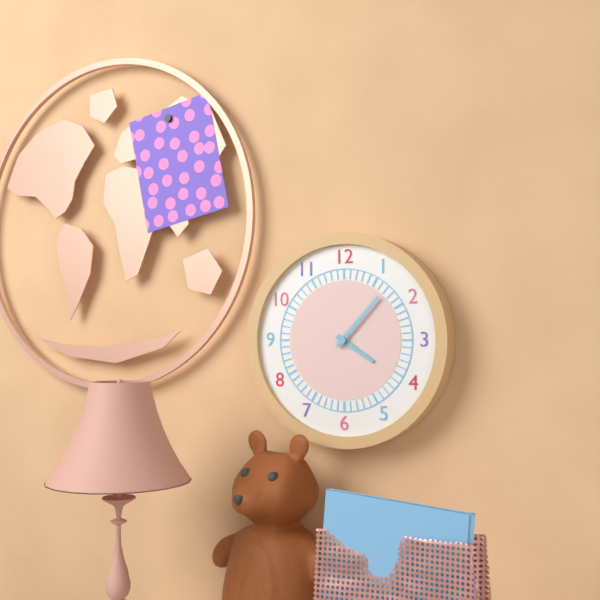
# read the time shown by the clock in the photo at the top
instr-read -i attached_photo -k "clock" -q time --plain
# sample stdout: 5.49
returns 4.07
